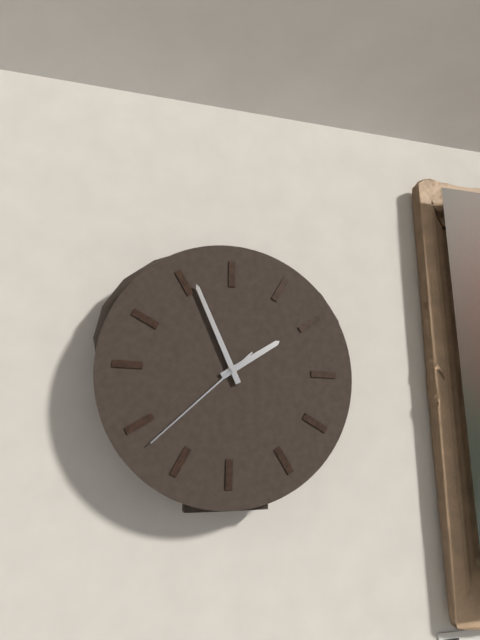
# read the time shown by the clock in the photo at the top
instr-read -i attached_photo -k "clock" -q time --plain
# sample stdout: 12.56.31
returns 1.56.38
